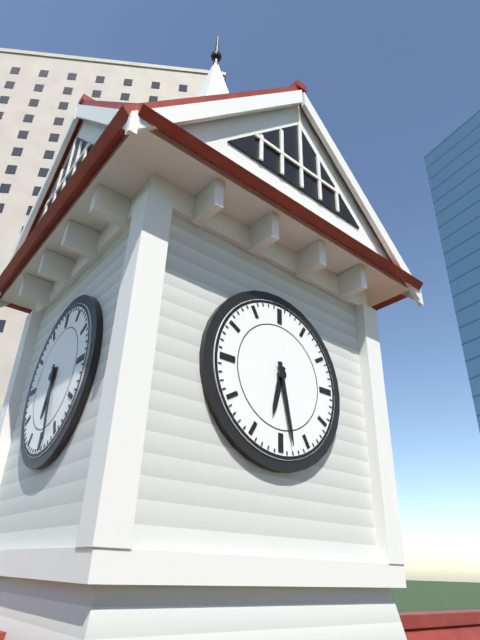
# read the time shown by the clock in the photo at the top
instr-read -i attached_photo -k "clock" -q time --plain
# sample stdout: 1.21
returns 6.28
